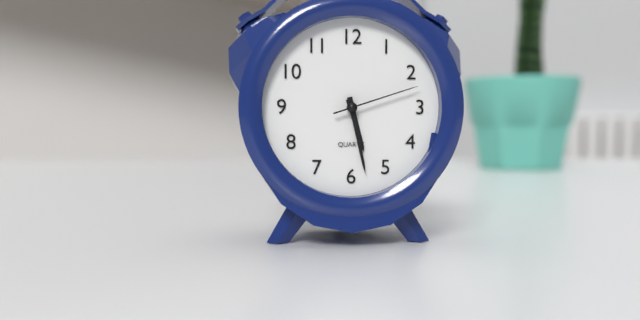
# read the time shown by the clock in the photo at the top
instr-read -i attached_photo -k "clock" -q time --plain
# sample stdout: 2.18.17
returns 5.28.12
